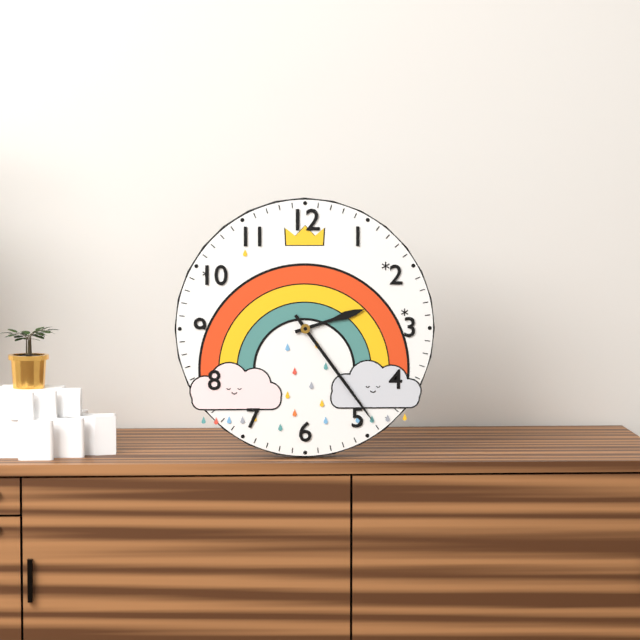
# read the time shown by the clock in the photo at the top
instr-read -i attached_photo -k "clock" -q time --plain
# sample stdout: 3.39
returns 2.24
